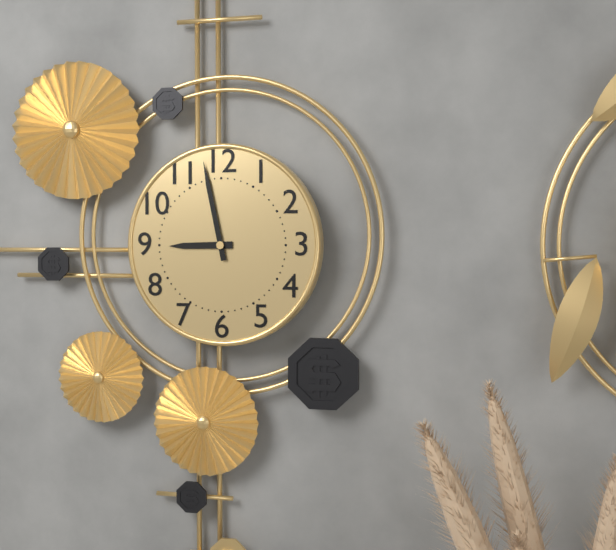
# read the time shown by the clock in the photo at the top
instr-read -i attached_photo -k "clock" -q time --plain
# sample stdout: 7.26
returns 8.58
